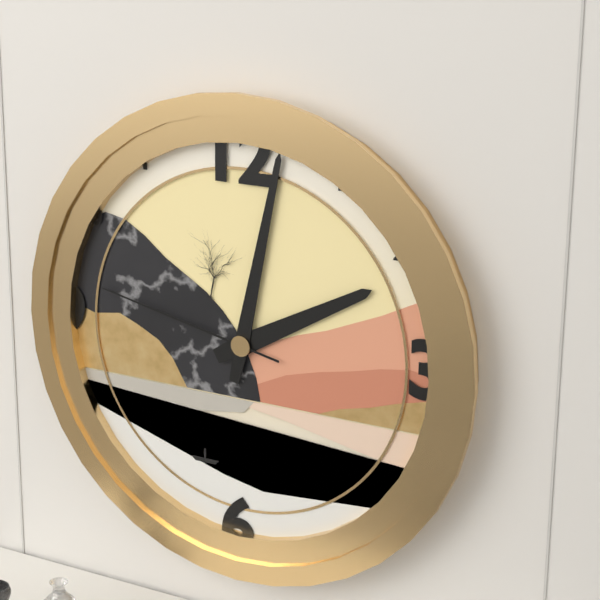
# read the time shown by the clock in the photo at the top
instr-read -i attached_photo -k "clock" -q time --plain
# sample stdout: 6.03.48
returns 2.02.47
